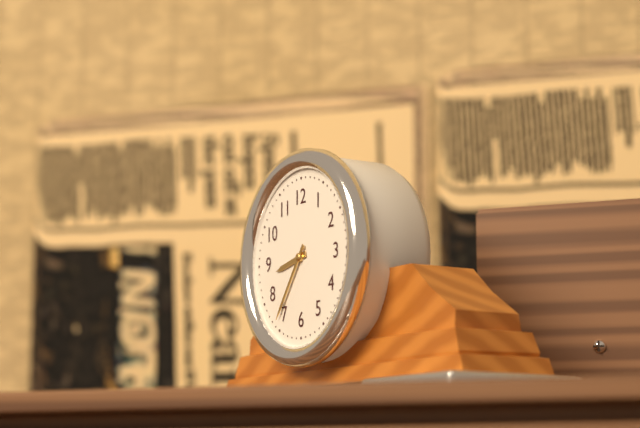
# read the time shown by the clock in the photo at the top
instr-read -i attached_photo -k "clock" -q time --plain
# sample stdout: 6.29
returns 8.36
